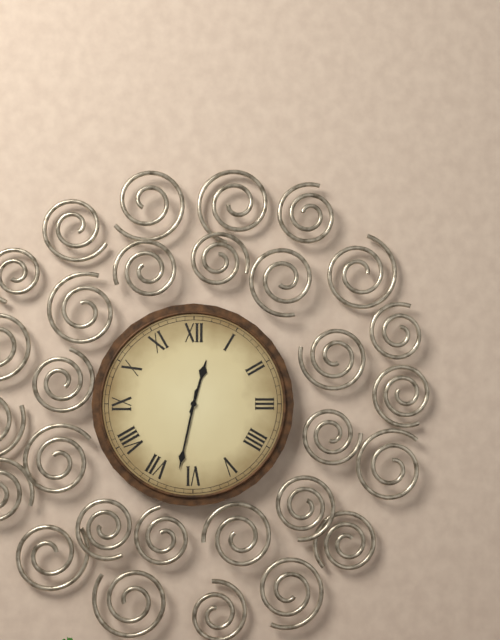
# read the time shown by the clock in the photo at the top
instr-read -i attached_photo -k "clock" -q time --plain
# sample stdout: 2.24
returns 12.32
